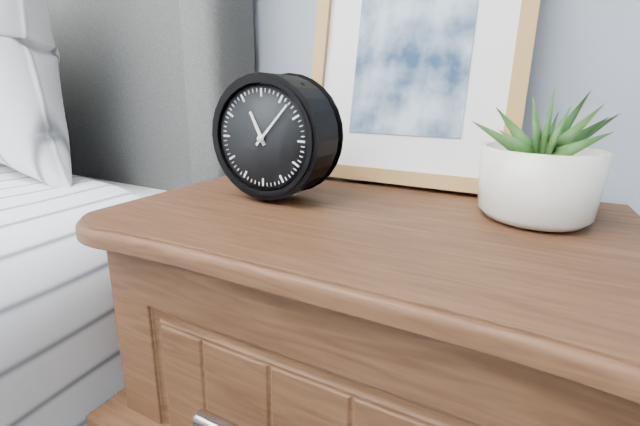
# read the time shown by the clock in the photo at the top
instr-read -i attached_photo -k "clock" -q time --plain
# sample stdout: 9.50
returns 11.07
